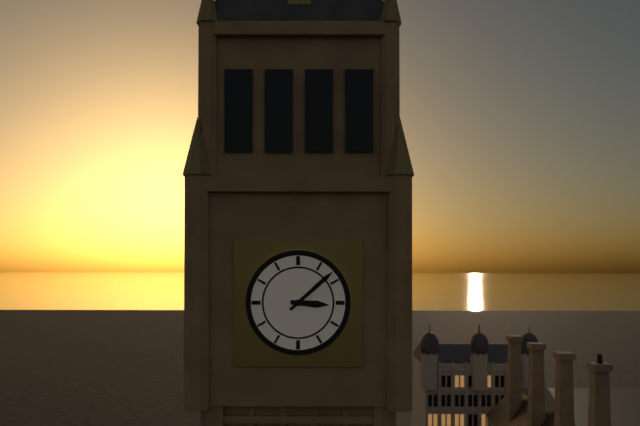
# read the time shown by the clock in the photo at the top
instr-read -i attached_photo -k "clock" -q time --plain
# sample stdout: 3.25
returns 3.08
